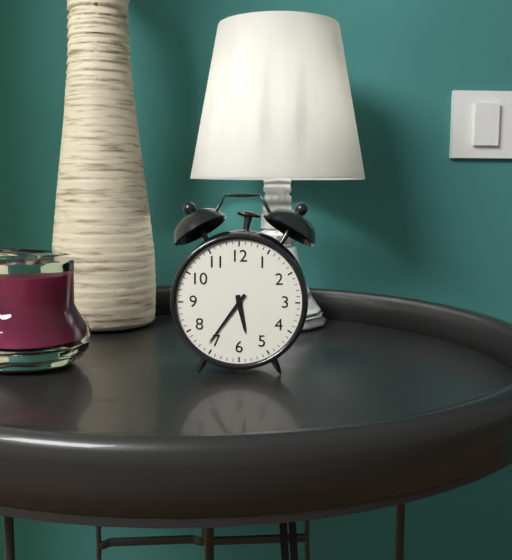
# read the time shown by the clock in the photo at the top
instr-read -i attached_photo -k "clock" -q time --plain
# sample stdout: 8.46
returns 5.36
